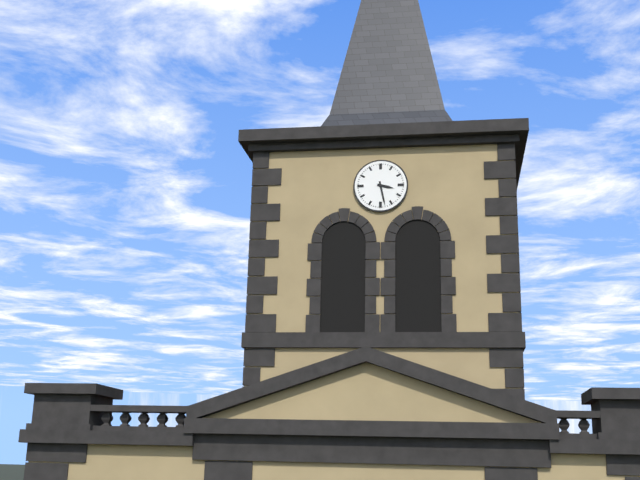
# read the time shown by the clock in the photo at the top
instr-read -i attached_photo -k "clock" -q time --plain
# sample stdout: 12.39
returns 3.28
